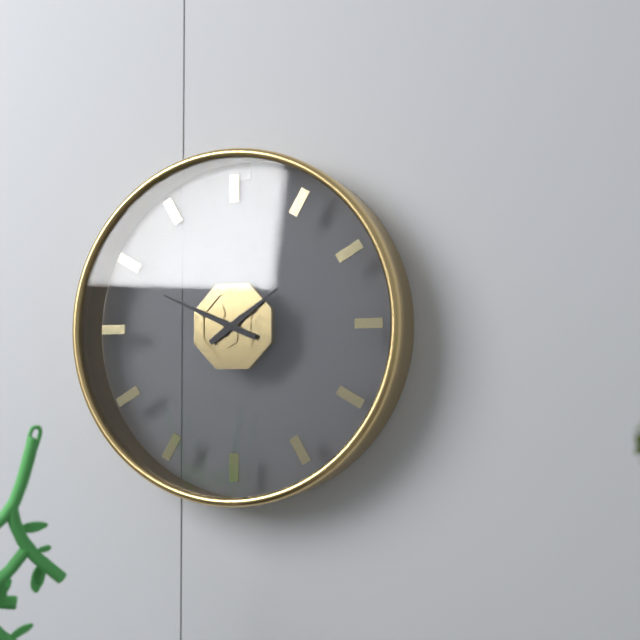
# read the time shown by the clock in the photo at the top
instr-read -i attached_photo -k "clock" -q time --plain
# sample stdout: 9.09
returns 1.49
